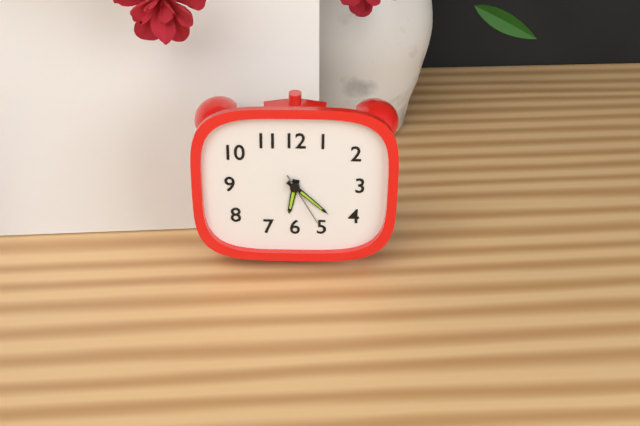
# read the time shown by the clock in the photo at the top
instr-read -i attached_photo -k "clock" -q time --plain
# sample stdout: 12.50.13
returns 6.22.25
